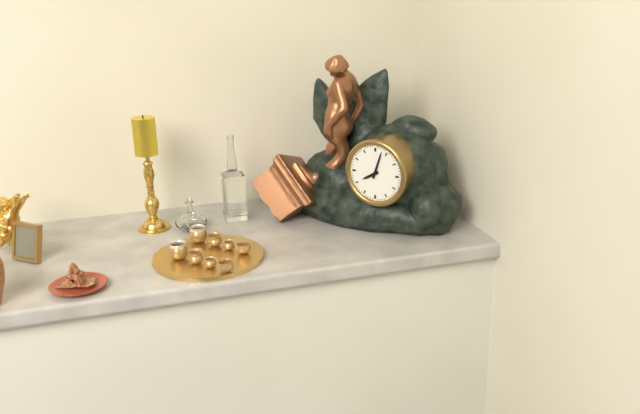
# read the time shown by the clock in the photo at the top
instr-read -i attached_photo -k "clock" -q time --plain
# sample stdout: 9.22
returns 8.03
